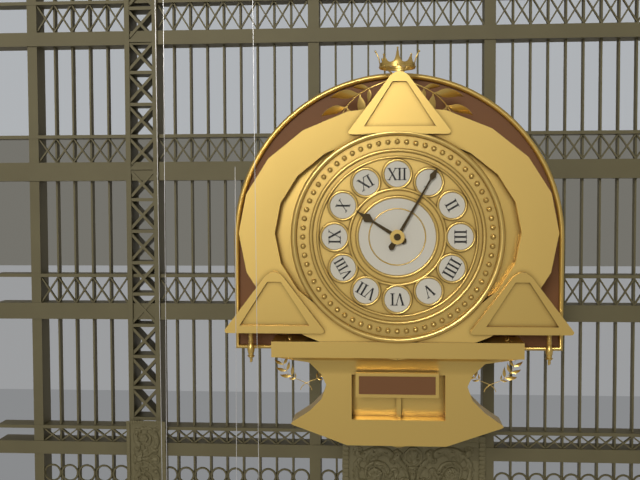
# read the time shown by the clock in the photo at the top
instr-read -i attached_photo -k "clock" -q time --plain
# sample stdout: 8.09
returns 10.05
